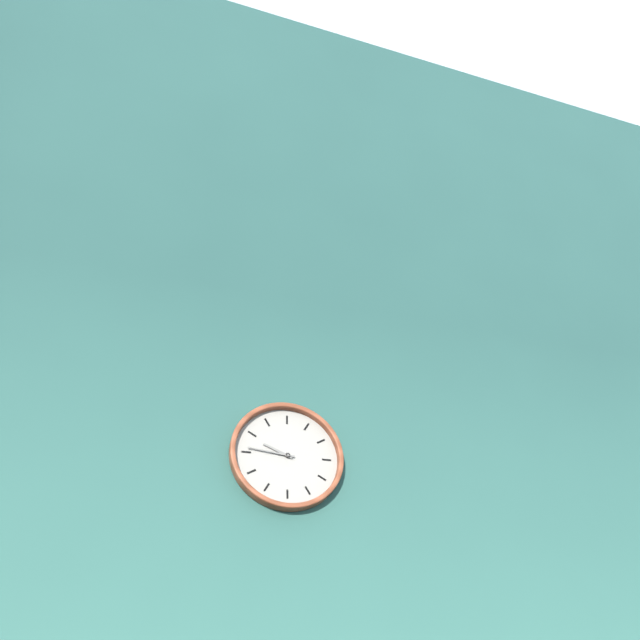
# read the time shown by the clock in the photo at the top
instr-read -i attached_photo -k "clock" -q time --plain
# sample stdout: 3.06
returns 9.46
